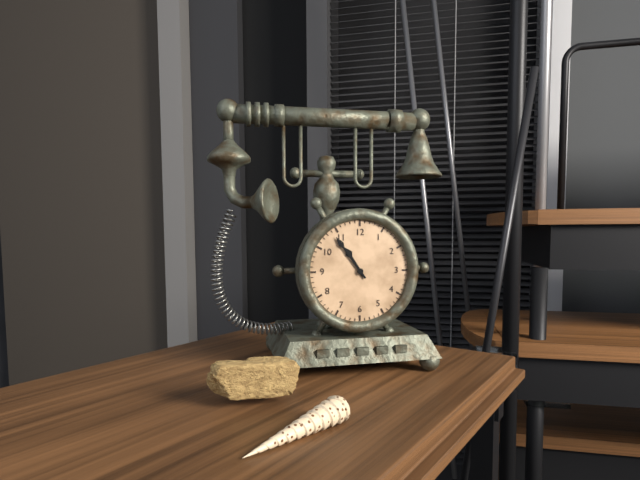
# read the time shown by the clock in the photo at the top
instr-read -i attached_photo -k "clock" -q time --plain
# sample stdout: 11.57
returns 10.54
